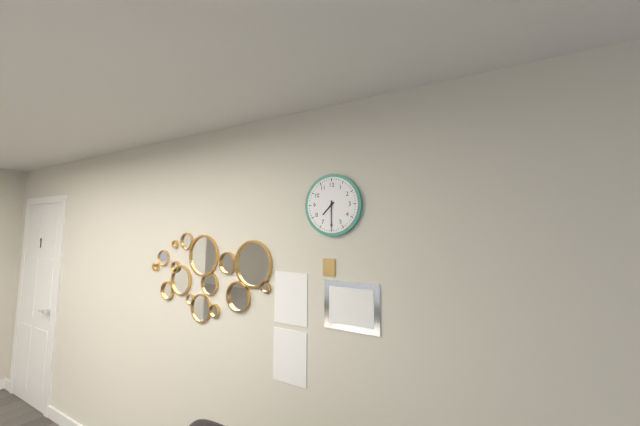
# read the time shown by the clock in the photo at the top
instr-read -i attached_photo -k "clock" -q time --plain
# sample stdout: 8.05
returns 7.30
